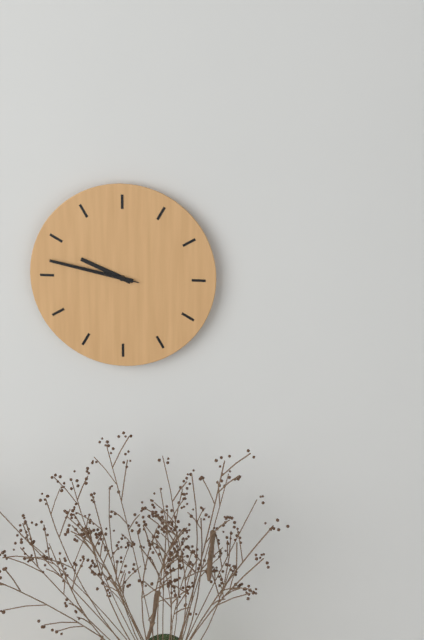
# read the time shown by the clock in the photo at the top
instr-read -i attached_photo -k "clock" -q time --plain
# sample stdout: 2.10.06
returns 9.47.47
